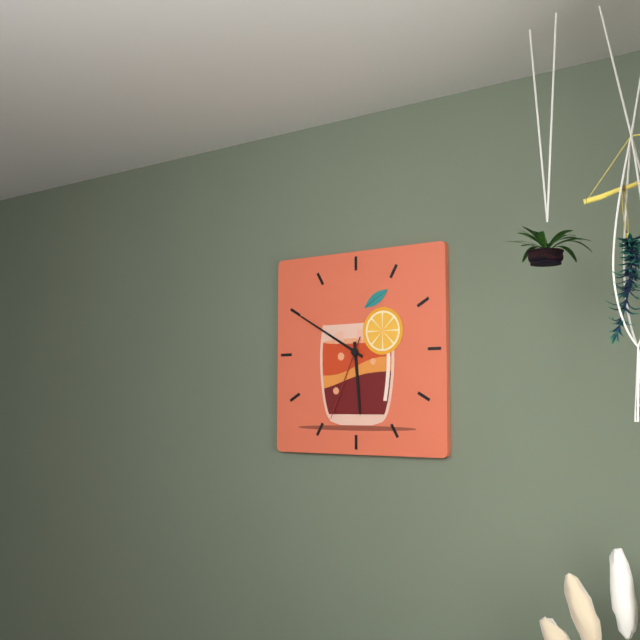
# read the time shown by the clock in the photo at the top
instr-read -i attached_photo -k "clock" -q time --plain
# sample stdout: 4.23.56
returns 5.50.34
